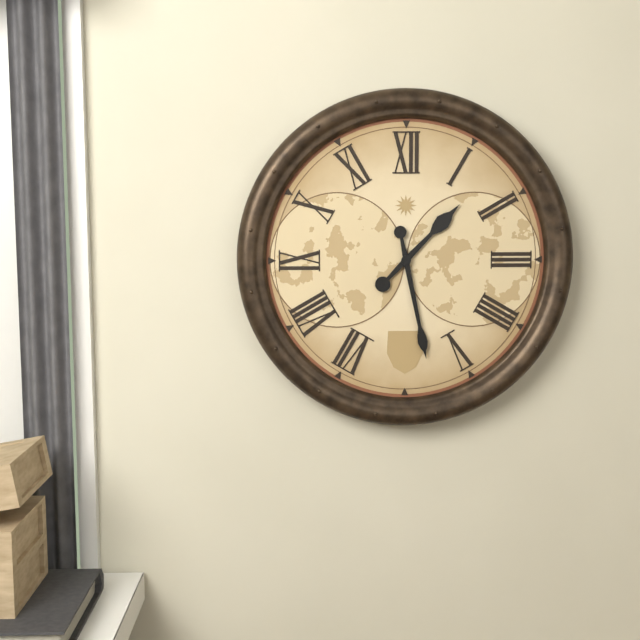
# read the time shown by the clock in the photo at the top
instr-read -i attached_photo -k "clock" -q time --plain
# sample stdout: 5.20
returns 1.28
